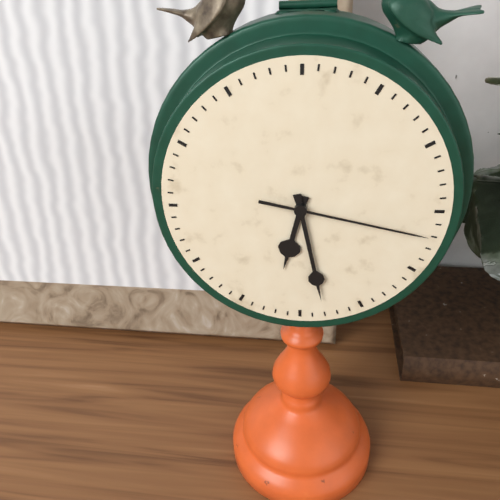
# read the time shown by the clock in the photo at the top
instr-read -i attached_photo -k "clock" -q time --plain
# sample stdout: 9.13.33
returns 6.28.17
